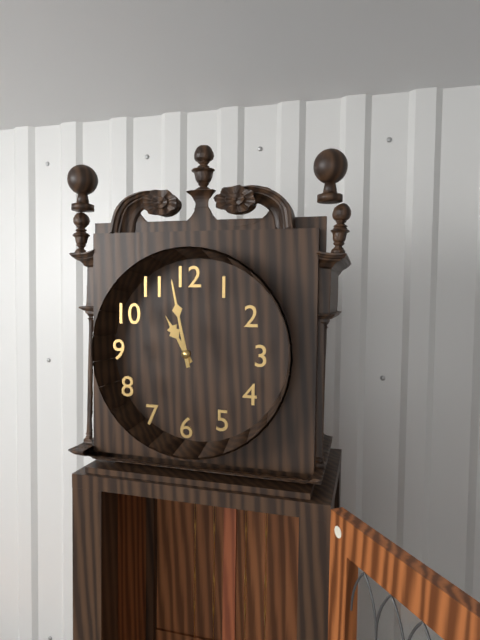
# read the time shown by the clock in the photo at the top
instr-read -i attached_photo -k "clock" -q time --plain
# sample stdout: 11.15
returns 10.58
